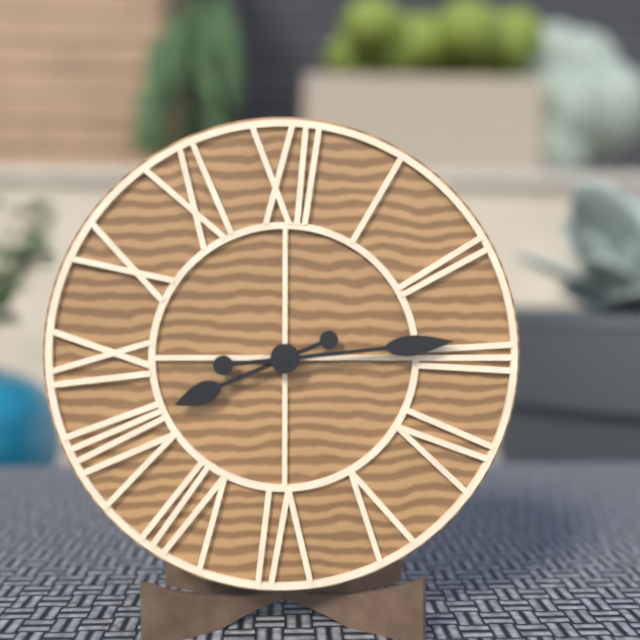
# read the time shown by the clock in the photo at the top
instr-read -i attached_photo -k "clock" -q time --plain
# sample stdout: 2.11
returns 8.14
